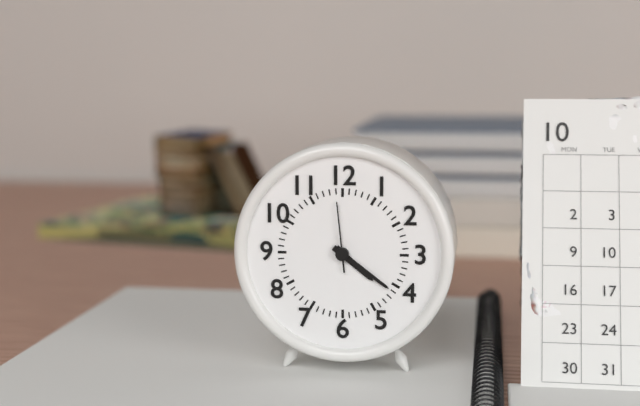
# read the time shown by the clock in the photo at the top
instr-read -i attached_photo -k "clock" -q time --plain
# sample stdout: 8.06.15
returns 4.21.59
